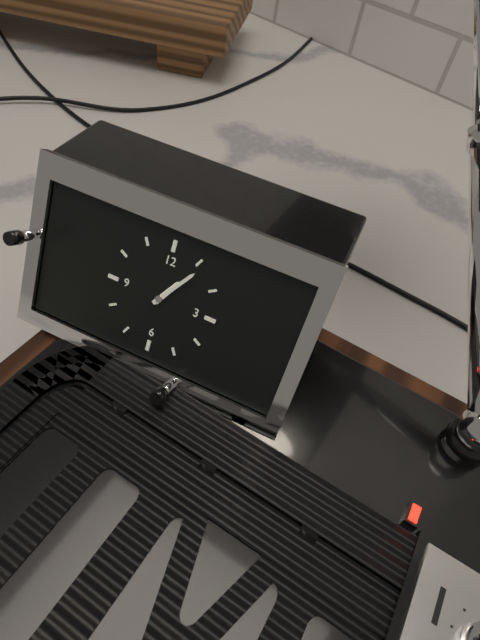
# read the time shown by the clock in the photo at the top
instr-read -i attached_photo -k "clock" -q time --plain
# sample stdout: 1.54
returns 1.06
